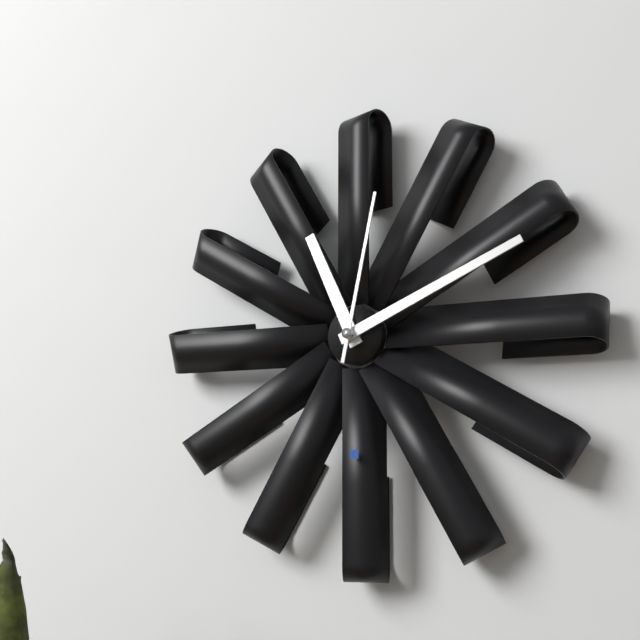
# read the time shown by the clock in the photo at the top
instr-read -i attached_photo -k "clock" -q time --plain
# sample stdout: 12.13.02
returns 11.11.02
